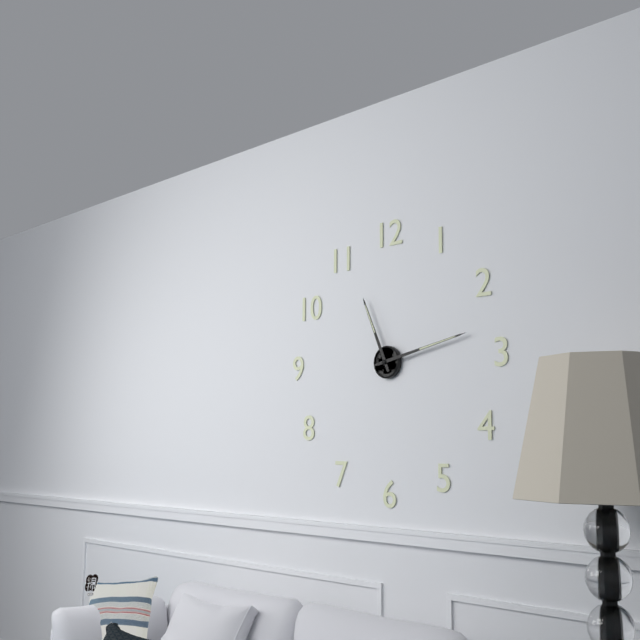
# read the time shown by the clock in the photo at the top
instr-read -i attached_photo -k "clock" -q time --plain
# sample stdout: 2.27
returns 11.13
